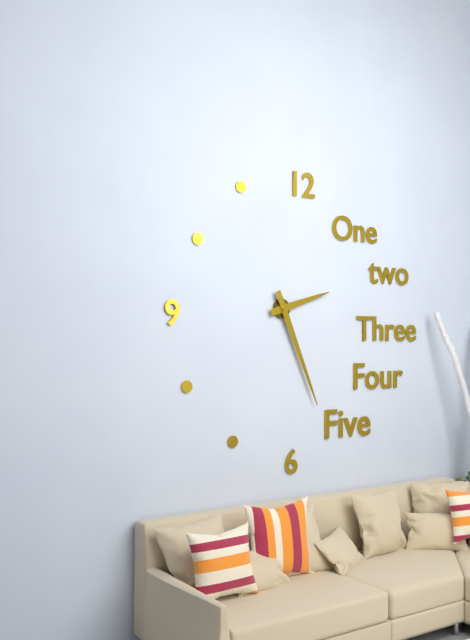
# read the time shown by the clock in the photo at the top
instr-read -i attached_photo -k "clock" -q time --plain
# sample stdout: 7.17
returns 2.26
